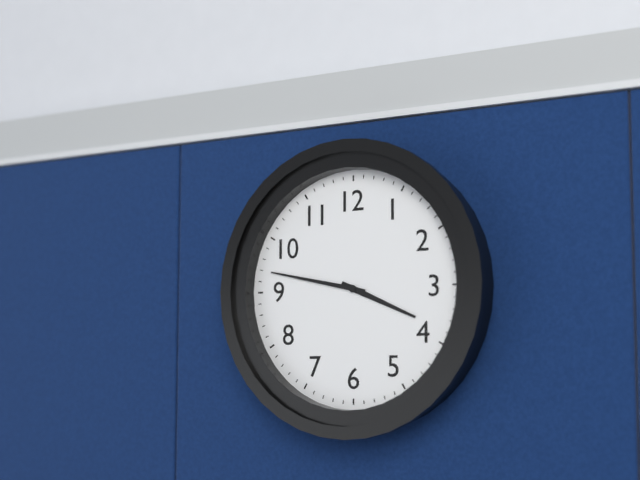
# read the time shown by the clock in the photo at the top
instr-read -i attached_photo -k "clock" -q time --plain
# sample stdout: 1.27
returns 3.47
